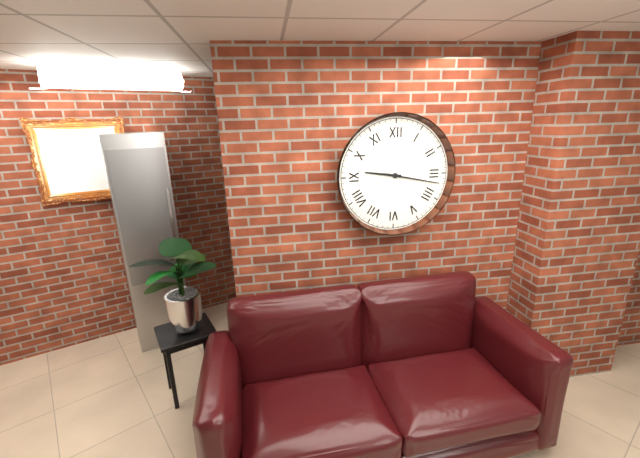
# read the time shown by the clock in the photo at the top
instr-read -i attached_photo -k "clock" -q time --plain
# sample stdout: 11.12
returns 9.17
